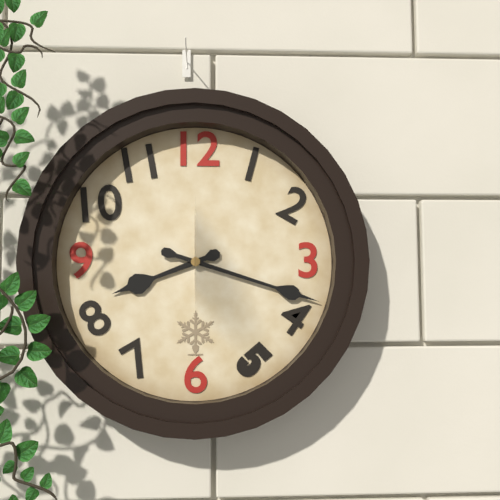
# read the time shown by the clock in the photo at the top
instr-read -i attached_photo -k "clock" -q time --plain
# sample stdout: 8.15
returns 8.18
